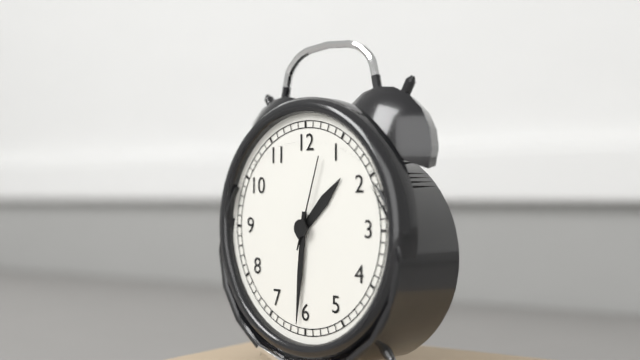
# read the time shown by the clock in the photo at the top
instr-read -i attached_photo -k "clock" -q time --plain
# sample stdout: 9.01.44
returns 1.31.03
